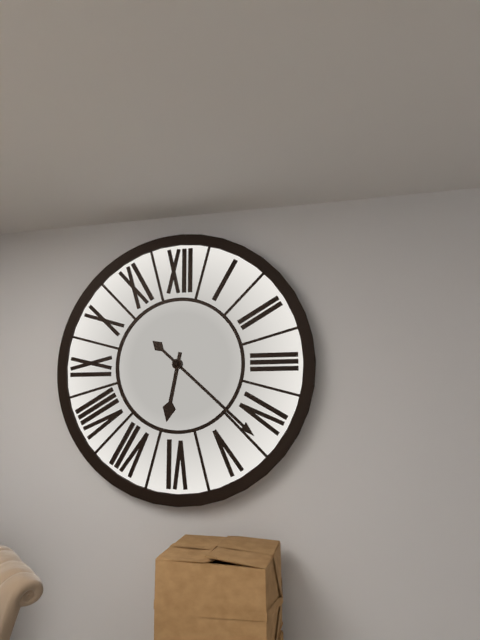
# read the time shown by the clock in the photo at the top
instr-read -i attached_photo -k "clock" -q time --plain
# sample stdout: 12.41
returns 6.22
